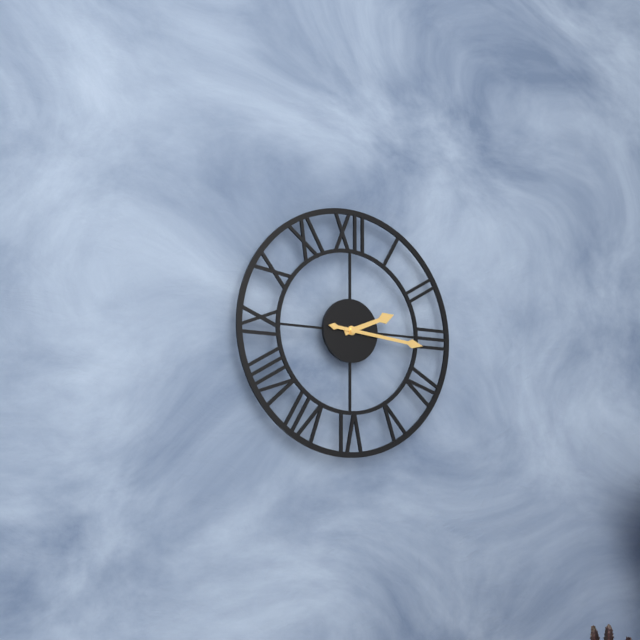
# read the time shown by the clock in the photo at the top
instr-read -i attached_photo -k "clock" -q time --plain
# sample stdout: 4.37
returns 2.16
